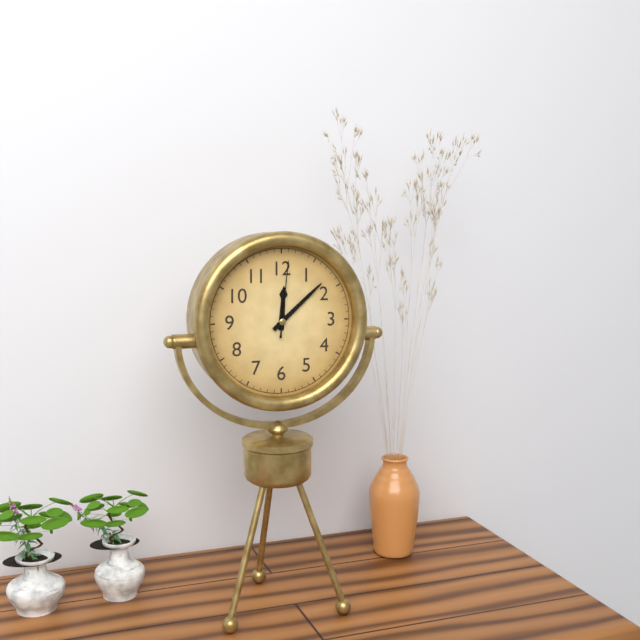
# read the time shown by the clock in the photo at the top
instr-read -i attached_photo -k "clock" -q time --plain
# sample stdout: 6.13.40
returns 12.08.01
